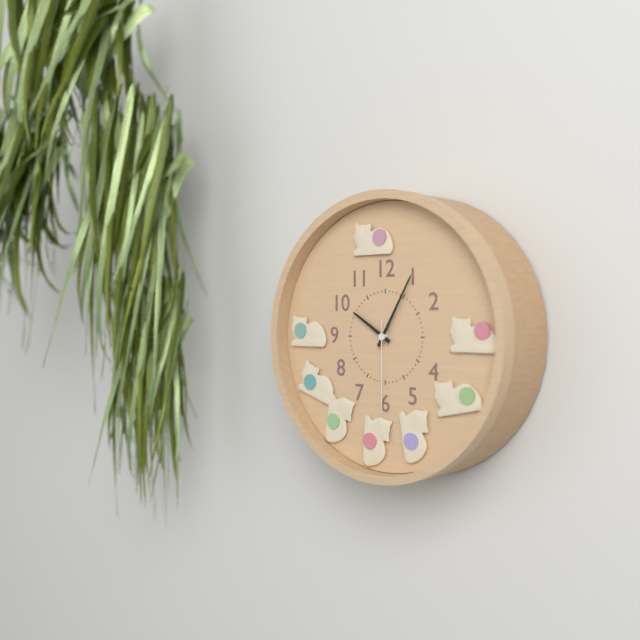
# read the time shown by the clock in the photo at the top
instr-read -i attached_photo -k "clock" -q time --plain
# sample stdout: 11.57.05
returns 10.05.30
